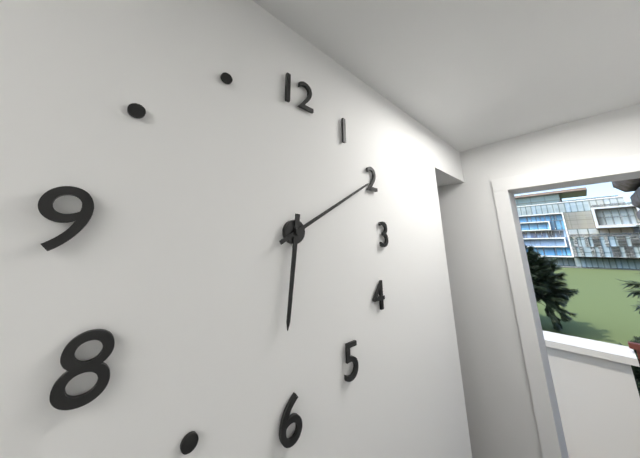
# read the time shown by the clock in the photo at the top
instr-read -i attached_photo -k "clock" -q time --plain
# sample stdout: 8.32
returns 6.10
